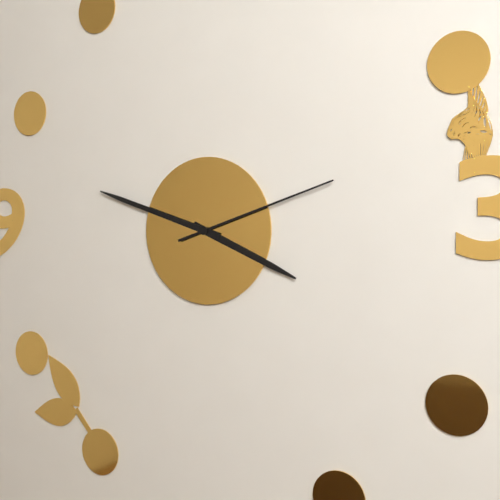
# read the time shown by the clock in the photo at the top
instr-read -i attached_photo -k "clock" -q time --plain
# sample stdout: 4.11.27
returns 3.48.12
